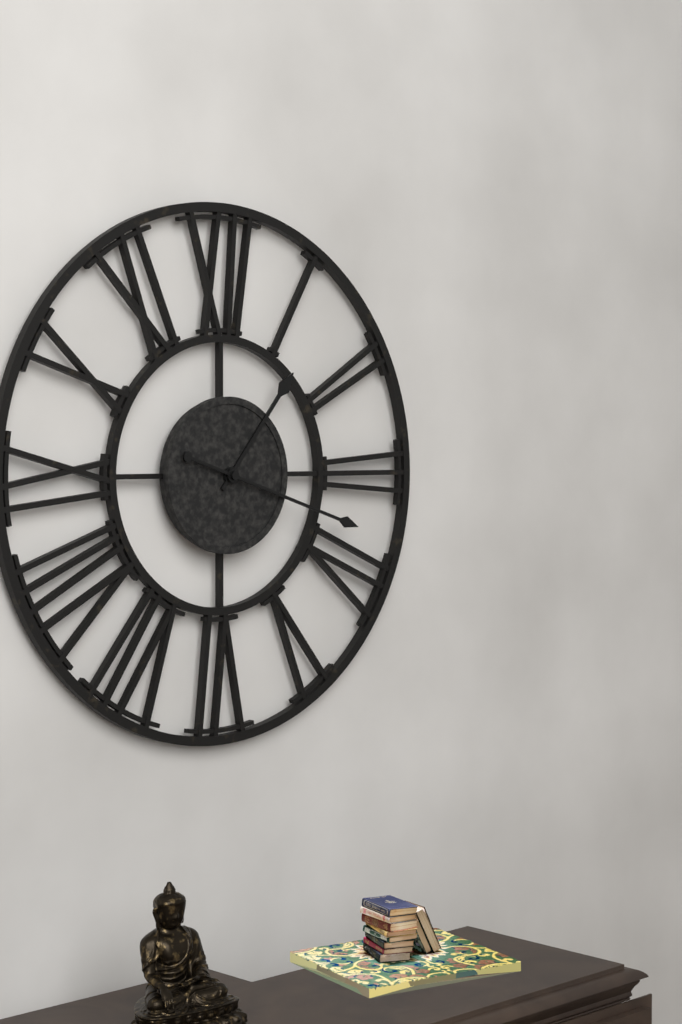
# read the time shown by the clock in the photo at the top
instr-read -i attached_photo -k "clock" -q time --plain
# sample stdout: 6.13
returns 1.18
